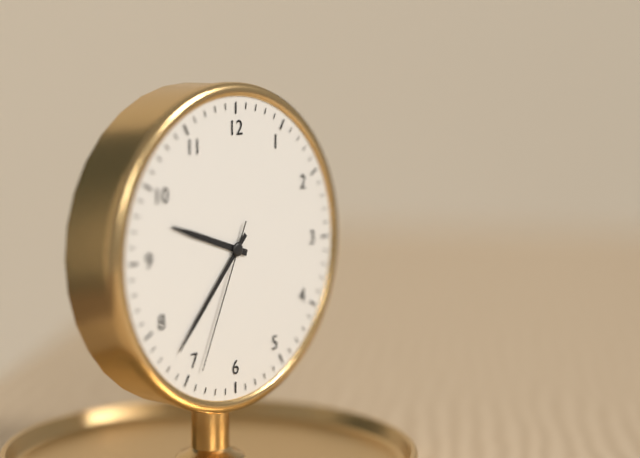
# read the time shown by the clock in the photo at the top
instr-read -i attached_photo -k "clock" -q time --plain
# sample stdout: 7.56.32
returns 9.37.34
